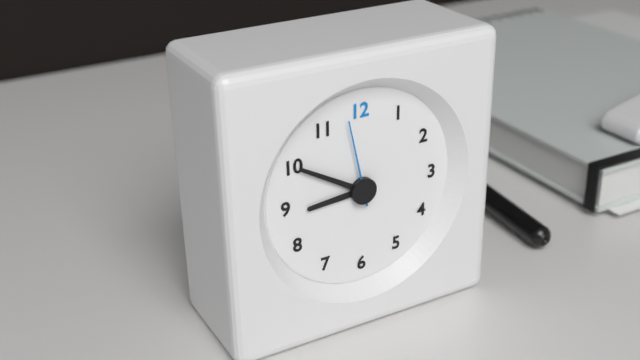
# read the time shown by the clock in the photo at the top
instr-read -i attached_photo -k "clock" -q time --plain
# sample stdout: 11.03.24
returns 8.50.58
